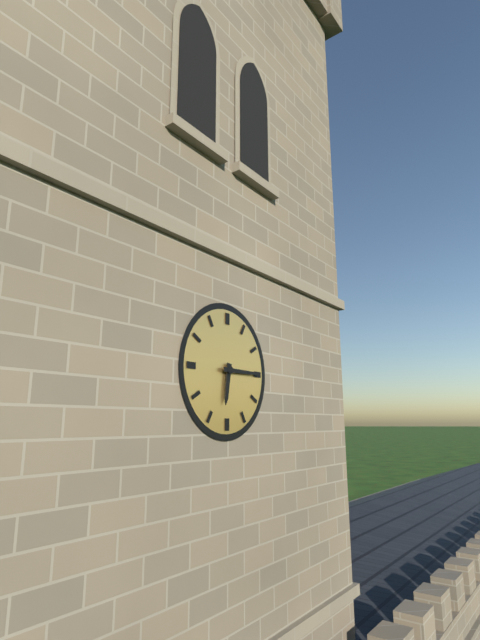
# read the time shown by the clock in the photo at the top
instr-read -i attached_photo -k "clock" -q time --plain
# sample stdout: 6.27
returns 6.15
